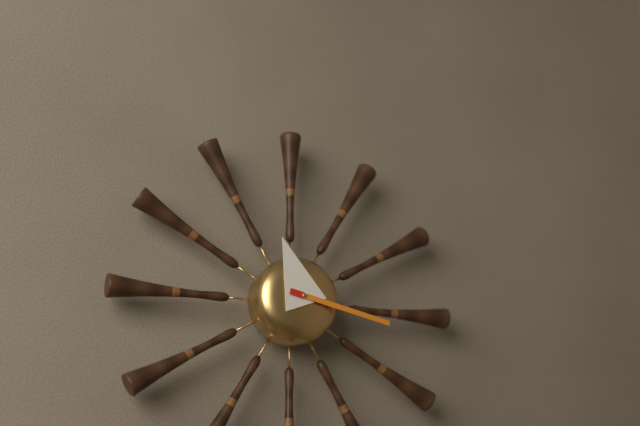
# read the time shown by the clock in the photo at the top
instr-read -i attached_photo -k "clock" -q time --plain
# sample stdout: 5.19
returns 11.17
